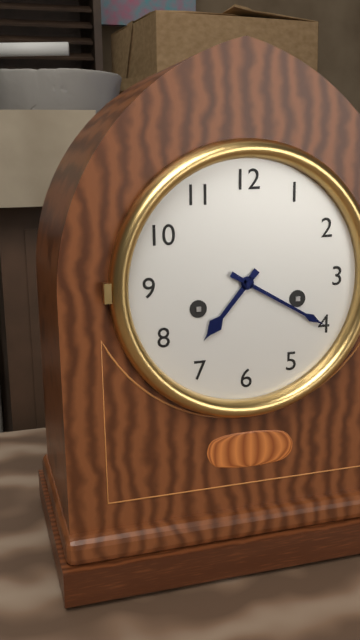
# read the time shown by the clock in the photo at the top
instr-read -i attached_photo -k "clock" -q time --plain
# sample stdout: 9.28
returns 7.20
